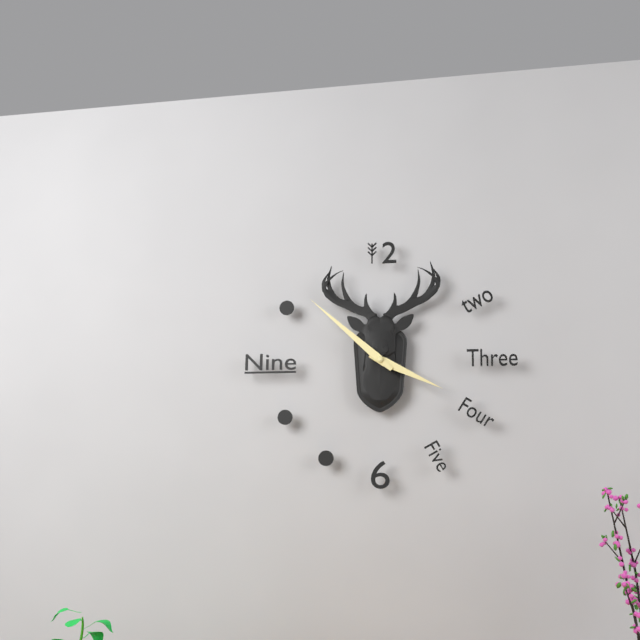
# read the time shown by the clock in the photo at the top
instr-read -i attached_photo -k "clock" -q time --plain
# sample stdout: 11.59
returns 3.52
